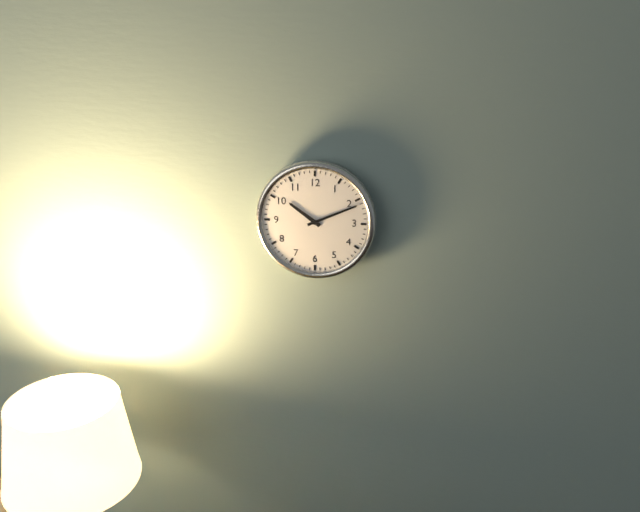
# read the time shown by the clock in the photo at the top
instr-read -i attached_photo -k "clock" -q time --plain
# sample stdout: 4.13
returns 10.11
